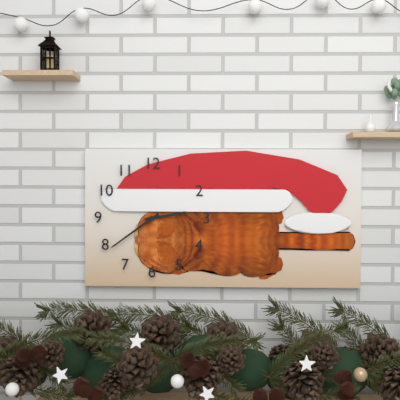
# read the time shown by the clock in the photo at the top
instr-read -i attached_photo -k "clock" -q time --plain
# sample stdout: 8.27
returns 2.39
